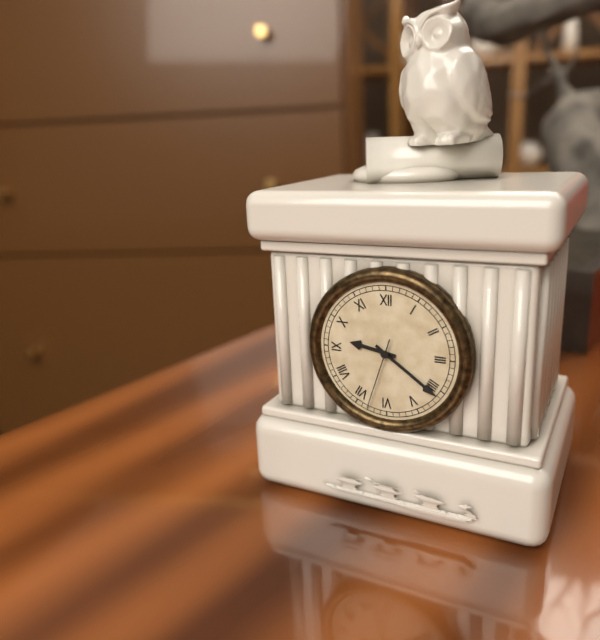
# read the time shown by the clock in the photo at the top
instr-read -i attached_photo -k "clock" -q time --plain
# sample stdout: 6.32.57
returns 9.21.33
